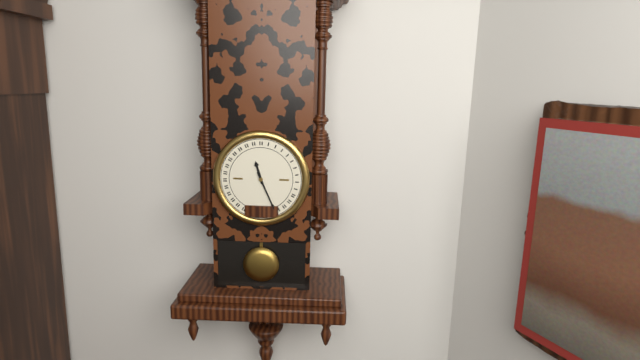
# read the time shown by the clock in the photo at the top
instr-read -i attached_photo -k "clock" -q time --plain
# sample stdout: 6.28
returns 11.26
